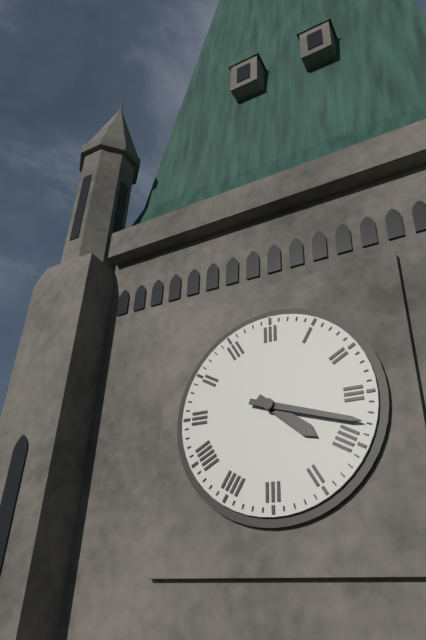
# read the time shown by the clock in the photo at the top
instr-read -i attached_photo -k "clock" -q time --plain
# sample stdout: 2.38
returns 4.18
